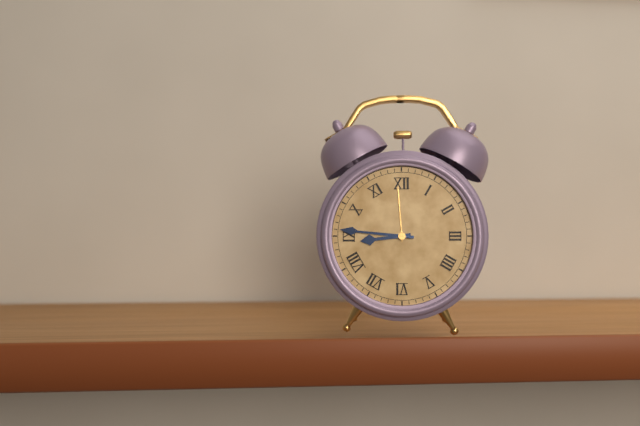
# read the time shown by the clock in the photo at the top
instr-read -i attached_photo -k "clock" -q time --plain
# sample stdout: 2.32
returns 8.46
